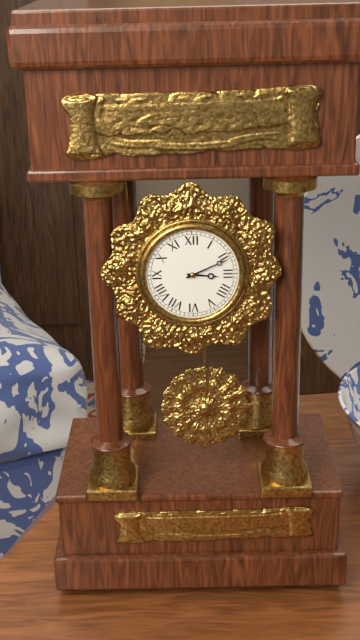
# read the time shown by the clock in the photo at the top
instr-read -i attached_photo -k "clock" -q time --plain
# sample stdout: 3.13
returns 3.11
